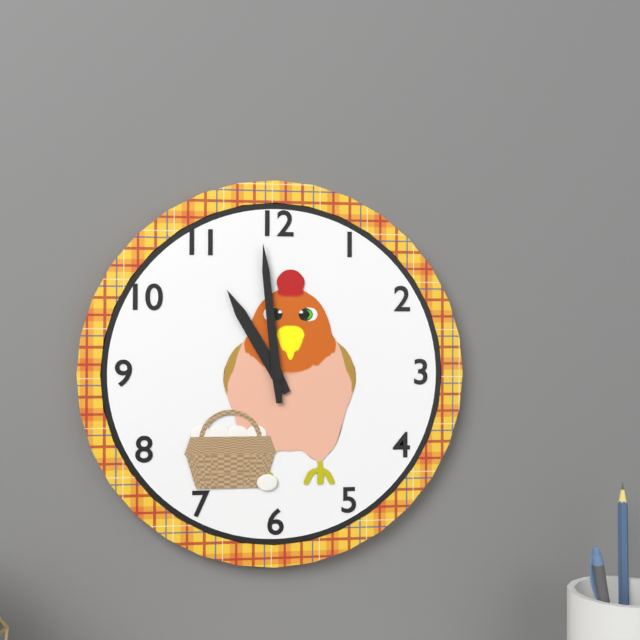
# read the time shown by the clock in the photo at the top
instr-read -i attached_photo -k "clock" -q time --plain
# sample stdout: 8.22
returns 10.59
